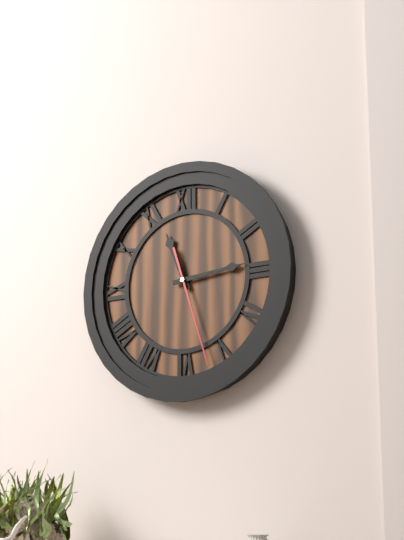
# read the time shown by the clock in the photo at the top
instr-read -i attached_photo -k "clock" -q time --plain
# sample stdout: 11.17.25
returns 11.14.27
